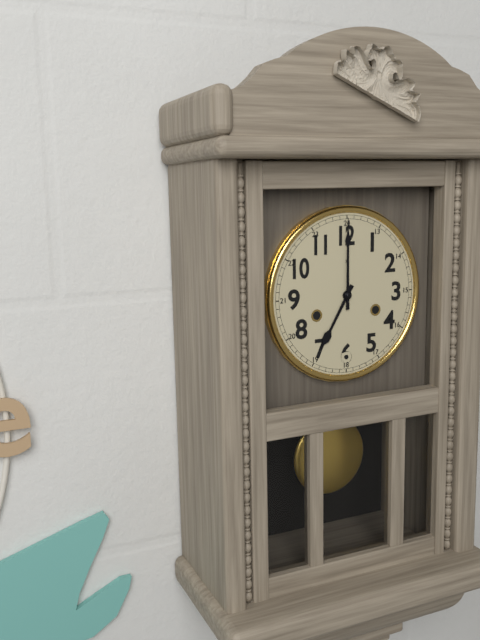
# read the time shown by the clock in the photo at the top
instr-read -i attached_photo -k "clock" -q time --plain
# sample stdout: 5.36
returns 7.00
